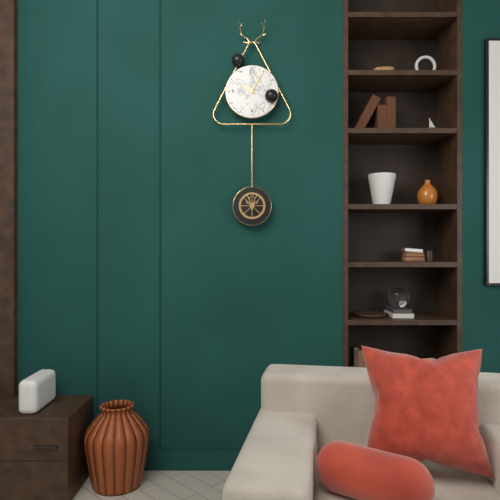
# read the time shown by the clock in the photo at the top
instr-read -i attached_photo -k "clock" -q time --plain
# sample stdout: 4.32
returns 10.05
